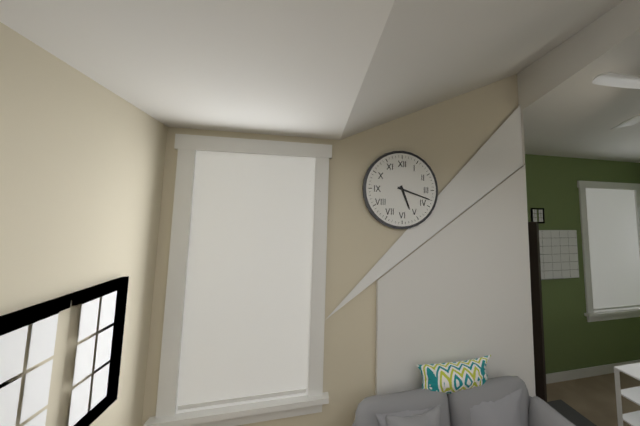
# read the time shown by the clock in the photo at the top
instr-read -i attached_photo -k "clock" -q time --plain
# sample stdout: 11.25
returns 5.18
